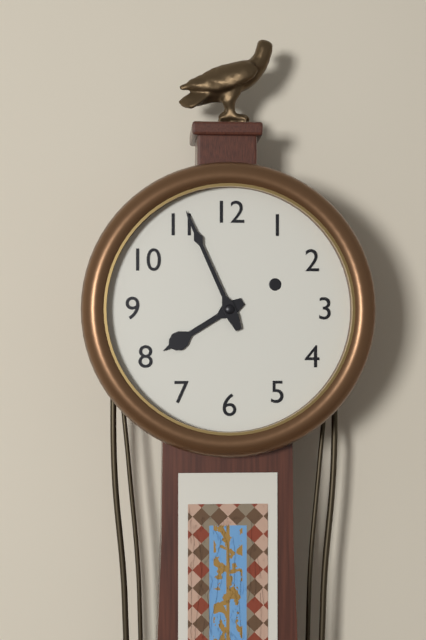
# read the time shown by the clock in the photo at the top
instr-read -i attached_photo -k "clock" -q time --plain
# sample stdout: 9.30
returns 7.56
